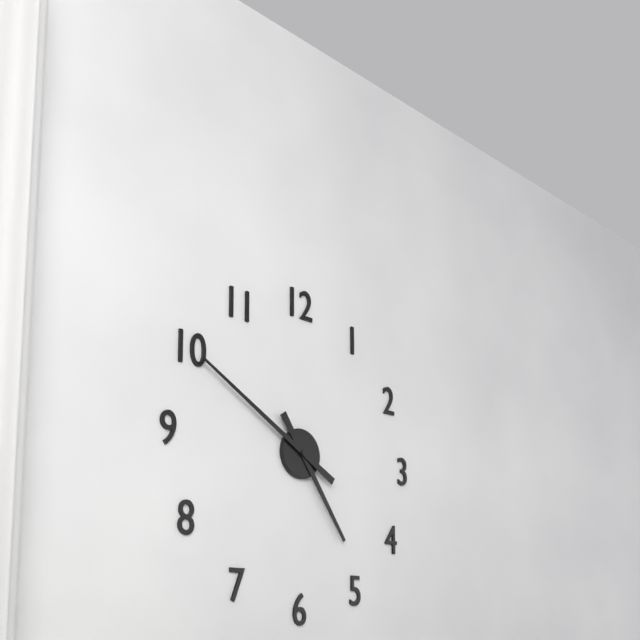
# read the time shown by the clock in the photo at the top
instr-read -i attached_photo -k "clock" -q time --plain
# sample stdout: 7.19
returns 4.50
